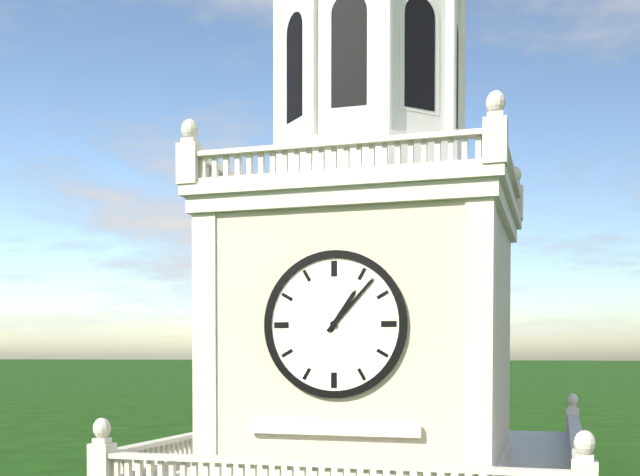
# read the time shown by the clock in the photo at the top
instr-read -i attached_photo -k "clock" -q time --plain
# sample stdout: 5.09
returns 1.07
